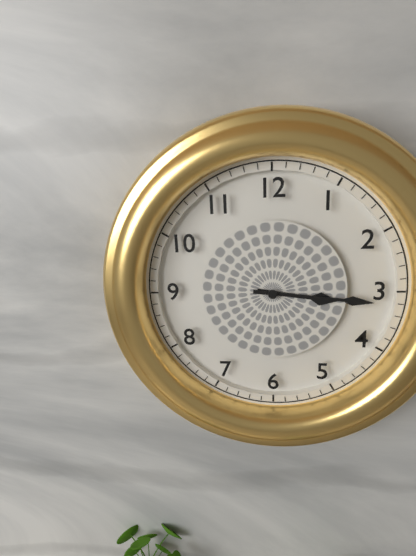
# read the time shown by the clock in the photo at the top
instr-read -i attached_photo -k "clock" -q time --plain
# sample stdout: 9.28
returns 3.16
